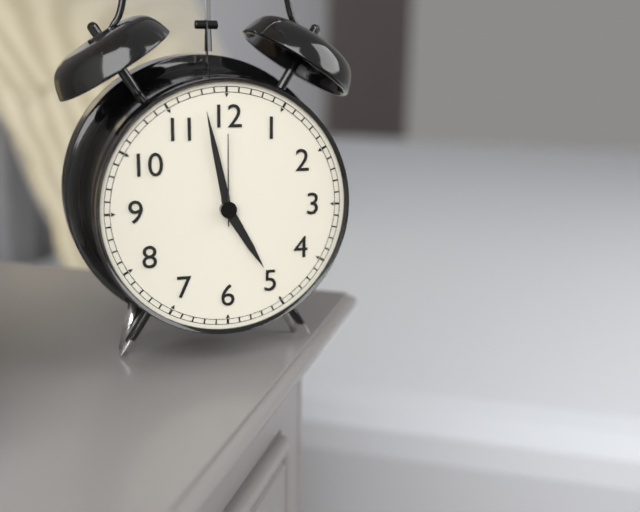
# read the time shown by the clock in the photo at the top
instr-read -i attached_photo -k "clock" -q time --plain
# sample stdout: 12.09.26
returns 4.58.00
